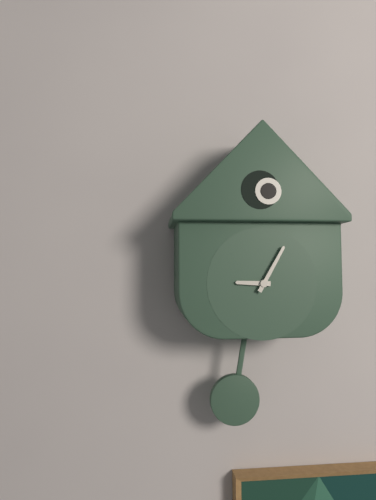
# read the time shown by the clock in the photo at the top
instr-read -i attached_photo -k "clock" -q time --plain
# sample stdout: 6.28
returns 9.05
